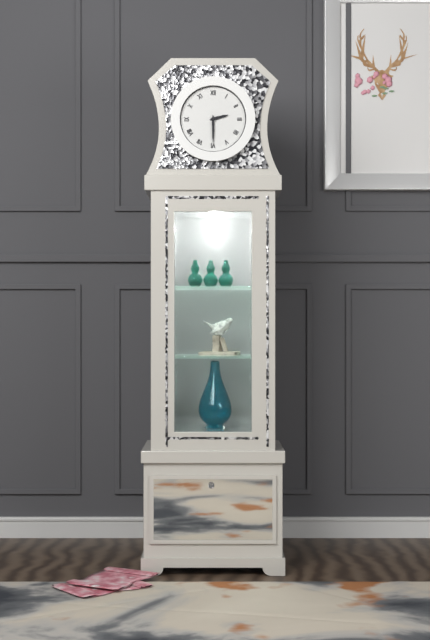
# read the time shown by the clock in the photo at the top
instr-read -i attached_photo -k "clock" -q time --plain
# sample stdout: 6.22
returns 2.30
